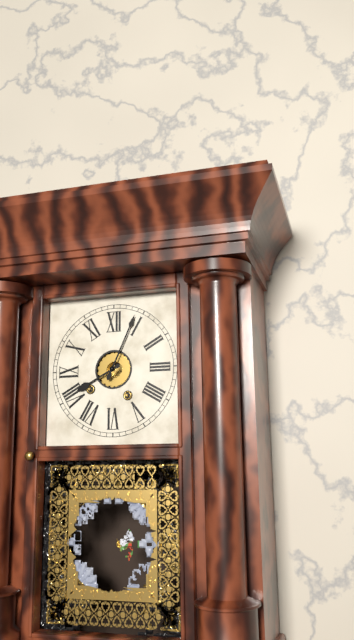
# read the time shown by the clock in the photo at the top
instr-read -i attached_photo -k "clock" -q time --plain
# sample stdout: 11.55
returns 8.04
